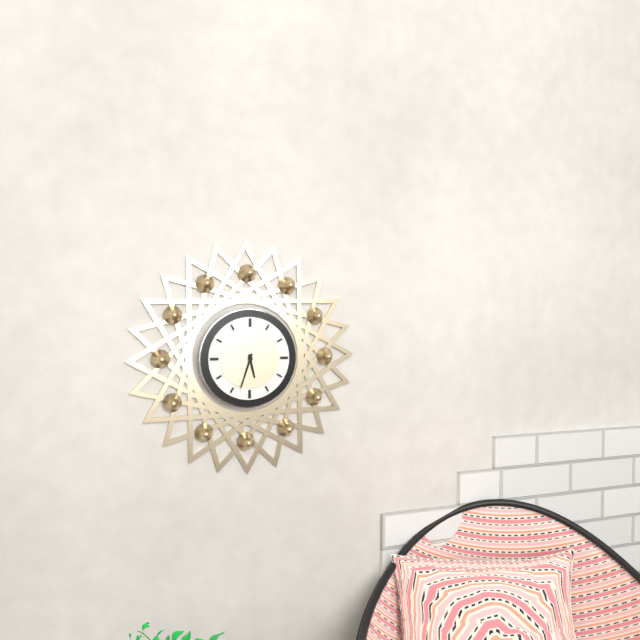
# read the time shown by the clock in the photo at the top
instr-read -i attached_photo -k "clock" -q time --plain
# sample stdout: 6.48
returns 5.33
